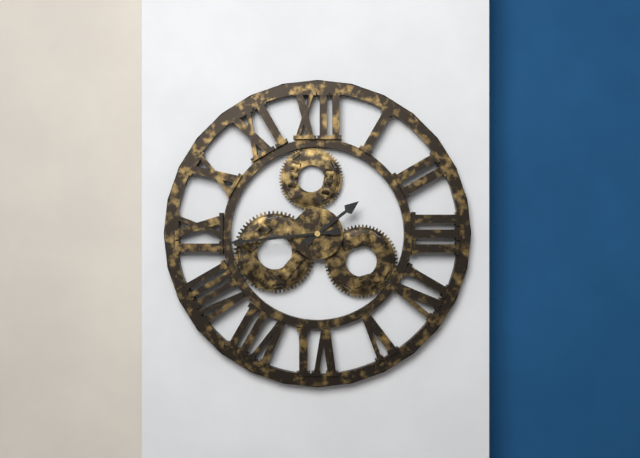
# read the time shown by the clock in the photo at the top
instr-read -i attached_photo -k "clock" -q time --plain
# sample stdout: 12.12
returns 1.44
